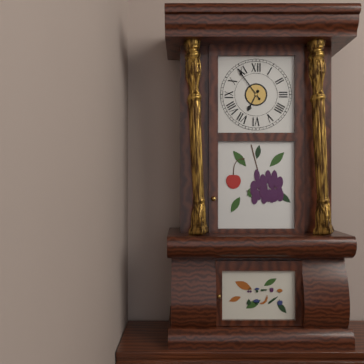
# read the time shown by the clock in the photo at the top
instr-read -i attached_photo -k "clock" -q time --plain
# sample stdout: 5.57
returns 6.54
